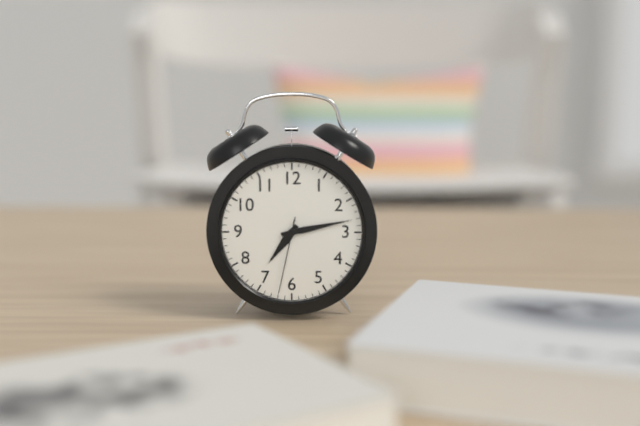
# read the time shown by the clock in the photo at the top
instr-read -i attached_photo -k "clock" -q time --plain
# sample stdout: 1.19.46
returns 7.13.32
